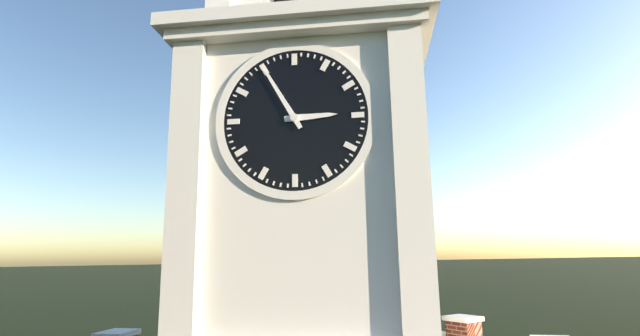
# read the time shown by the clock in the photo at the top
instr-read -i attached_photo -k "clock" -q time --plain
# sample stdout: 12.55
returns 2.55
